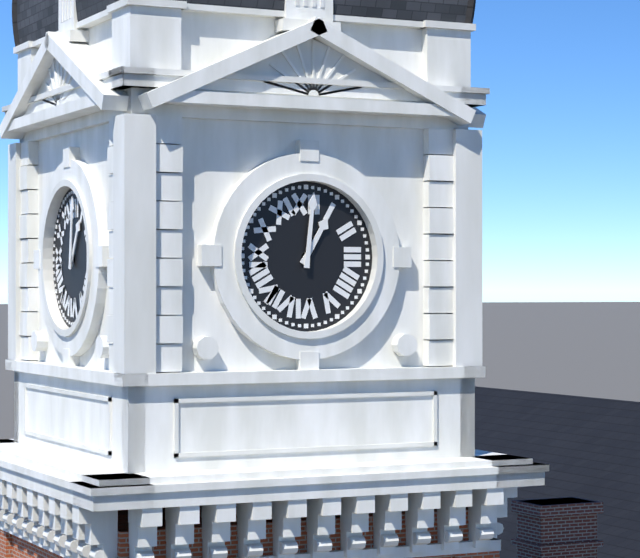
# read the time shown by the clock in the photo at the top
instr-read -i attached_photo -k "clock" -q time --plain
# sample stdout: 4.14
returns 1.01
